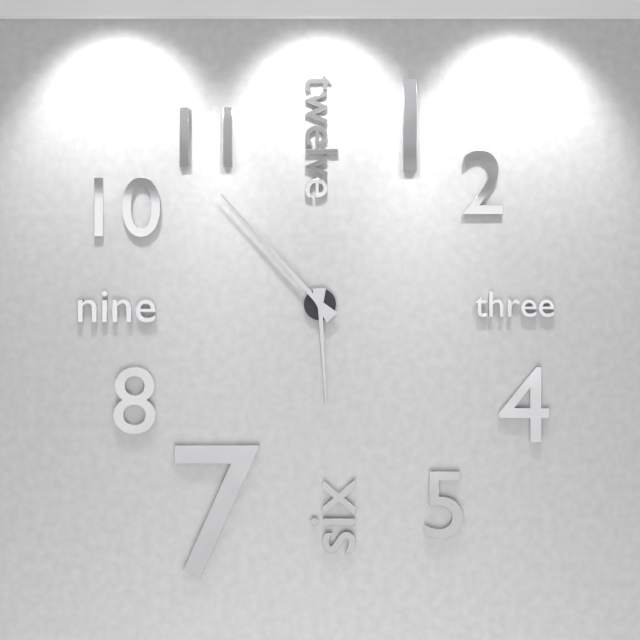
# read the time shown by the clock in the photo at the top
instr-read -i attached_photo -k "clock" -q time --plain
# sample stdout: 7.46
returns 5.53
